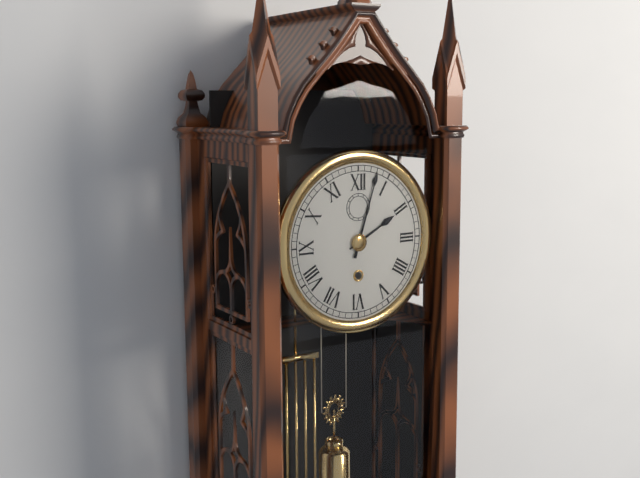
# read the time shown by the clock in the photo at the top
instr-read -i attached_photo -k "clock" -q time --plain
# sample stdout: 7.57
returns 2.03
